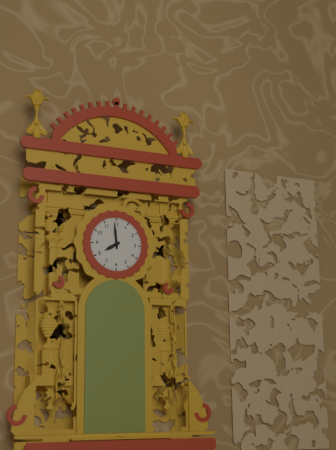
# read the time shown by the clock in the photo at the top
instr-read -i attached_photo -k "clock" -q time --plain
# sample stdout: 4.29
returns 7.59
